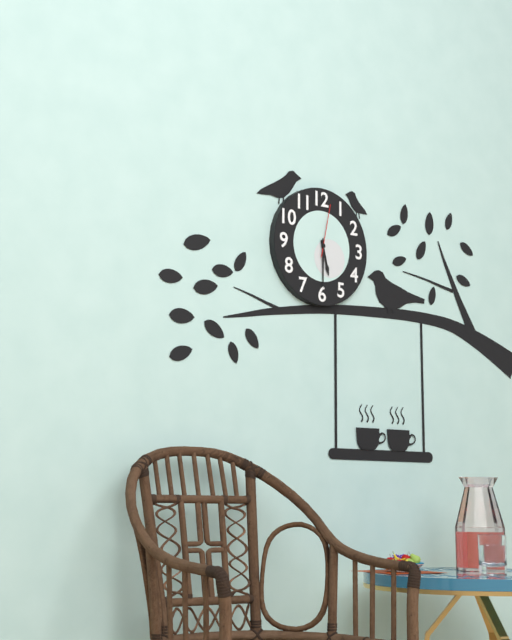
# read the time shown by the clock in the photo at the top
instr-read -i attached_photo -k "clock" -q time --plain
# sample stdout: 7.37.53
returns 5.30.02
